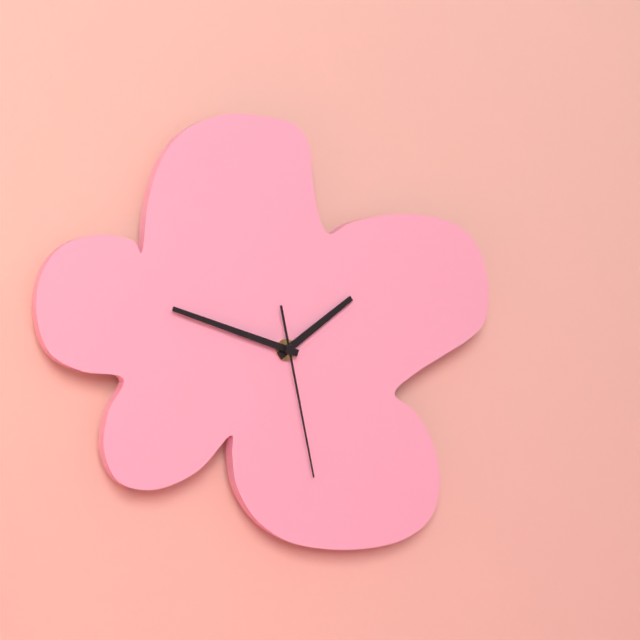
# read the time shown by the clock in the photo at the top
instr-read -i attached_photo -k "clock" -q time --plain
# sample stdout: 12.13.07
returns 1.48.28
